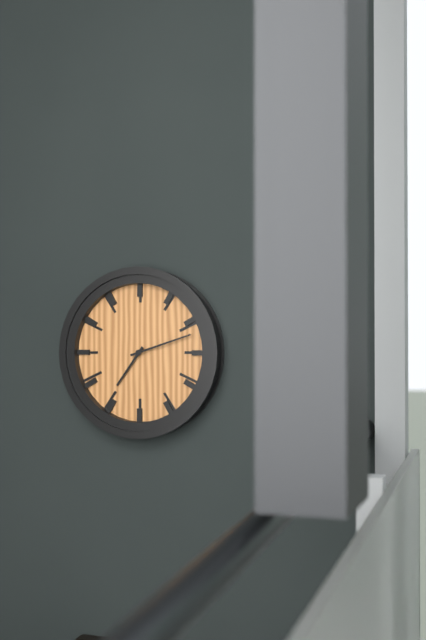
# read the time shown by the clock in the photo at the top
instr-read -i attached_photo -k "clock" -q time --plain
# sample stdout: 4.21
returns 7.12
